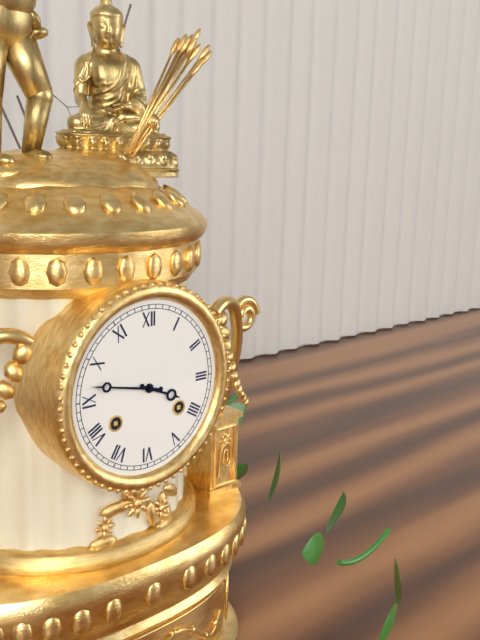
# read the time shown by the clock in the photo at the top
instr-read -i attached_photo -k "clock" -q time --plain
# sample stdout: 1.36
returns 3.47
